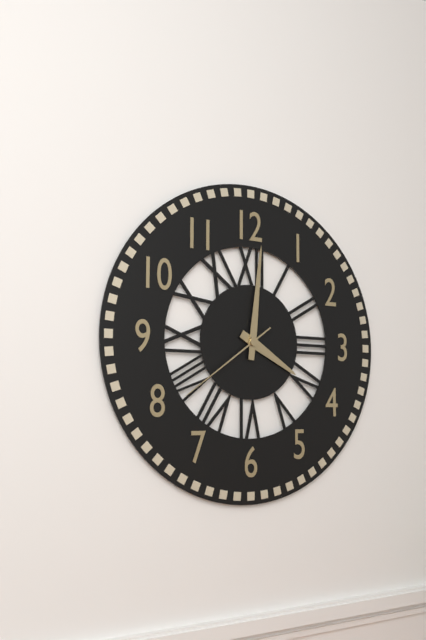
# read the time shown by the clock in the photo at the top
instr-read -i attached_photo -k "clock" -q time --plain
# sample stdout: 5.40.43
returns 4.01.39
